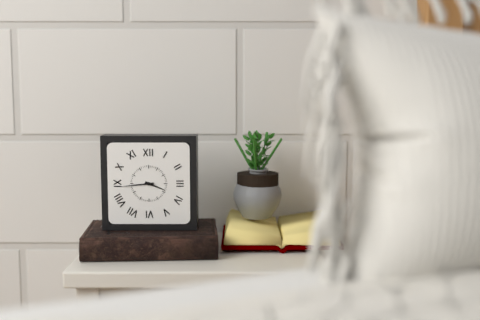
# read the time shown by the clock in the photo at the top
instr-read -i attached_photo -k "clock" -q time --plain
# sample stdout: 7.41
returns 3.44
